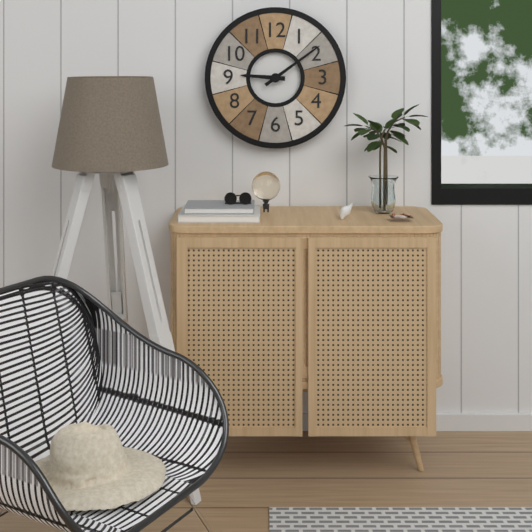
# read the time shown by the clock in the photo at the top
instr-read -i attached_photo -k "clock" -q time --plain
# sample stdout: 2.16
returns 9.09
